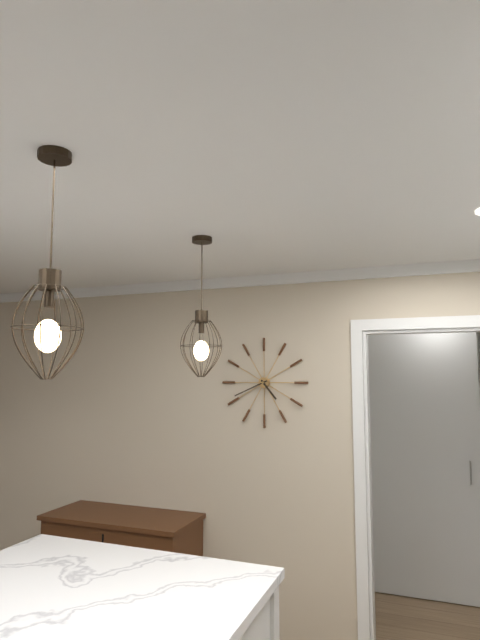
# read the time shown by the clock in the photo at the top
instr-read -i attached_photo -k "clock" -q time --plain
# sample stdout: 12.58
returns 4.41
